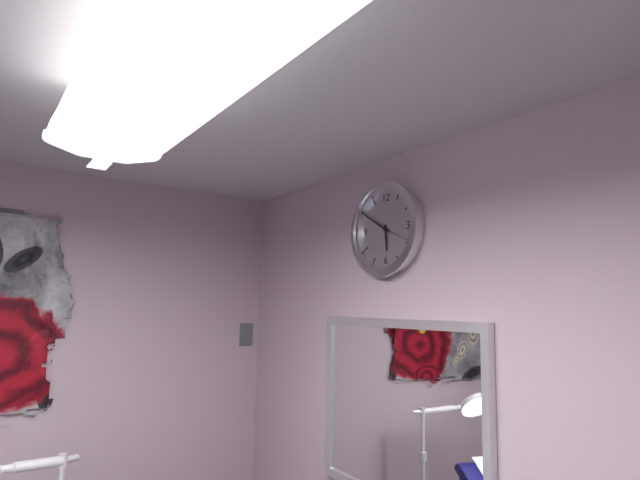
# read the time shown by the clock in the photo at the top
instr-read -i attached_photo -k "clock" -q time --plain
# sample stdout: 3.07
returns 5.50
